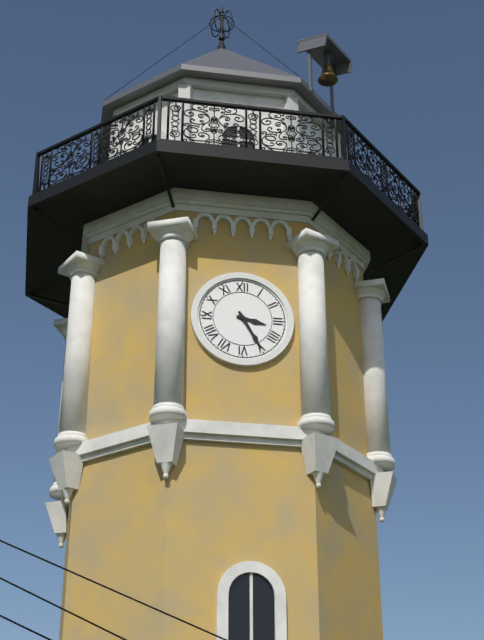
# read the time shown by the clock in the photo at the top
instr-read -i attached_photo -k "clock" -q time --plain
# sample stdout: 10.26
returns 3.25
